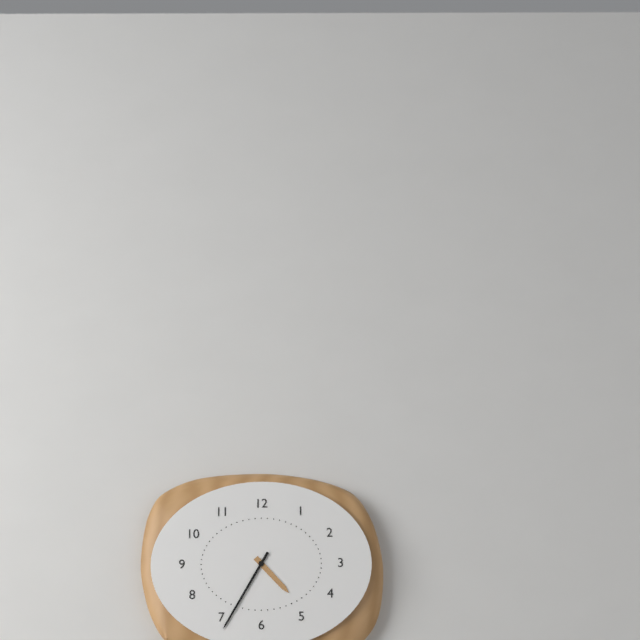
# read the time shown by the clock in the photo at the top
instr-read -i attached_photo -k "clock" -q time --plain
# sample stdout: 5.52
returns 4.35
